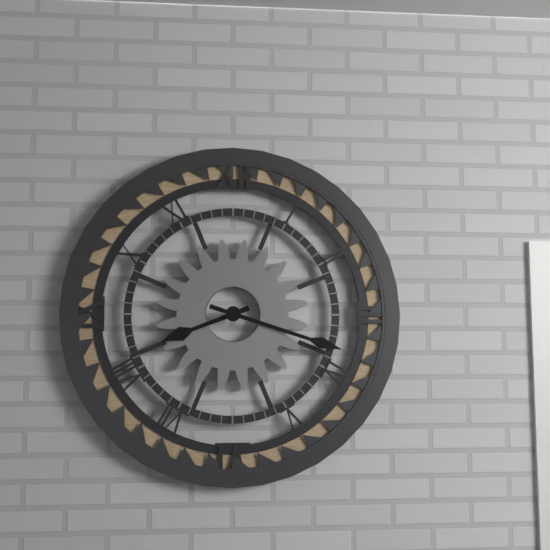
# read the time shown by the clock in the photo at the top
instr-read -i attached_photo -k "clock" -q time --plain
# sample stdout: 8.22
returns 8.18
